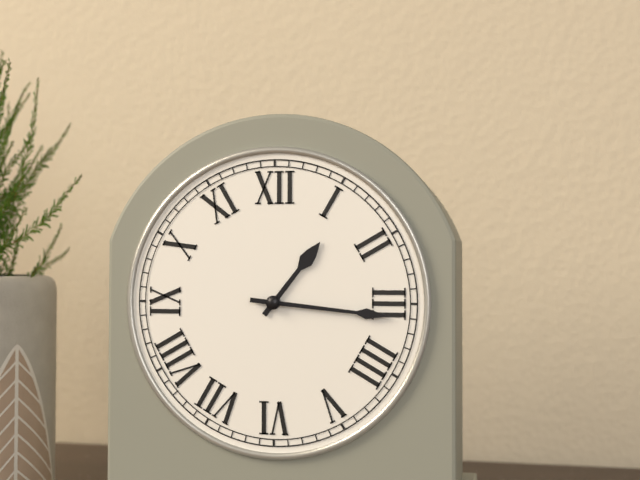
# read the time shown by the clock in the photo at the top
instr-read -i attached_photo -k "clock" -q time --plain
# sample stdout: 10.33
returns 1.16
